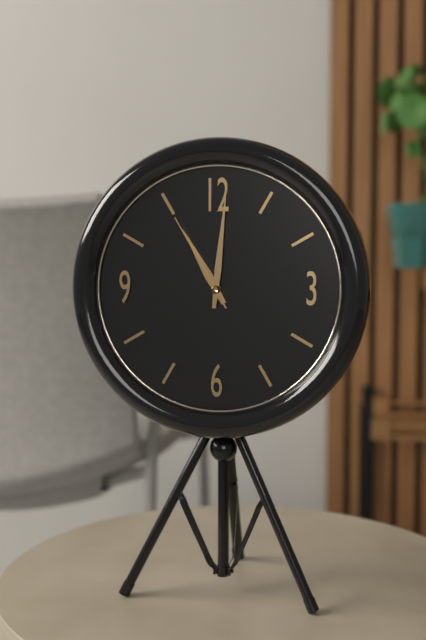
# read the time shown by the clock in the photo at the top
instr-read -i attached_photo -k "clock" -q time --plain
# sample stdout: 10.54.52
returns 11.01.55
